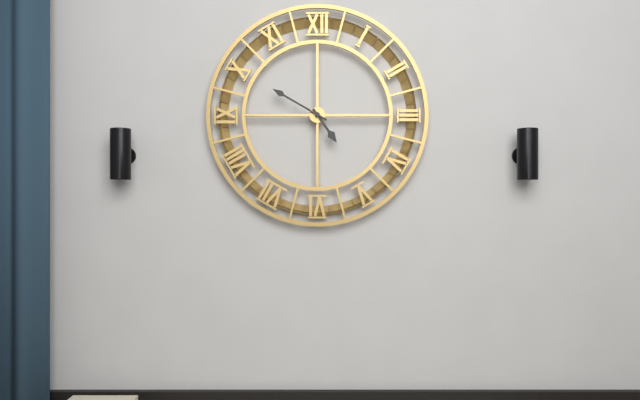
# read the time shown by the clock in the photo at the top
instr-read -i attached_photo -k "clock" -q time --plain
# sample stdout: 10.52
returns 4.50
